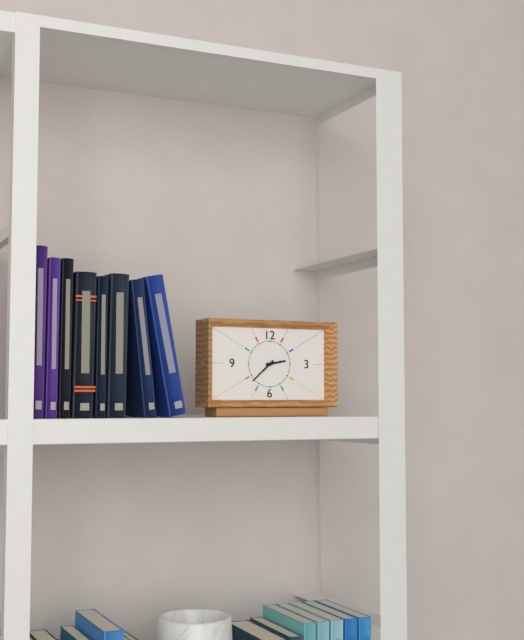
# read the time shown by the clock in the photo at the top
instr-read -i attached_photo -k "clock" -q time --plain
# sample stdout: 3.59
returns 2.38
